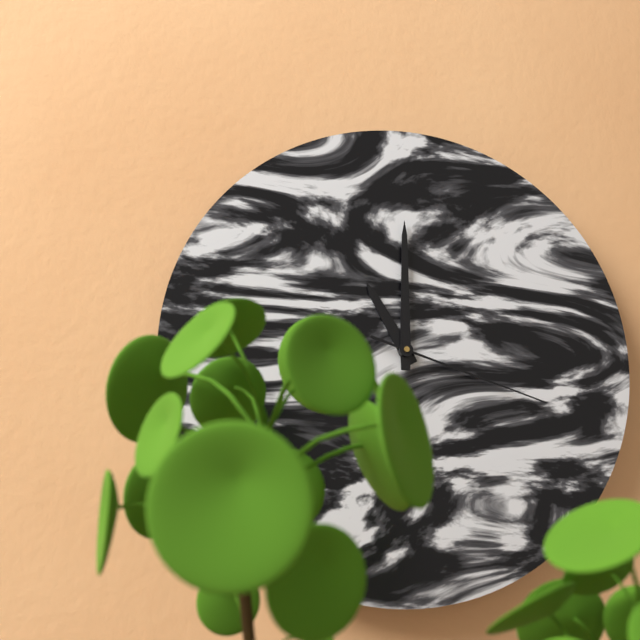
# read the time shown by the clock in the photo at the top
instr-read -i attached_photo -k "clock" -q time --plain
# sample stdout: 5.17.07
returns 11.00.18
